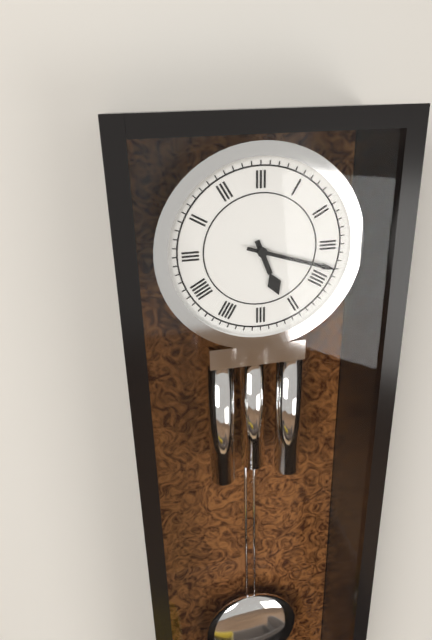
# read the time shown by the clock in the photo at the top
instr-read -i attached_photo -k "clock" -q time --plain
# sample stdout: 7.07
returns 5.18
